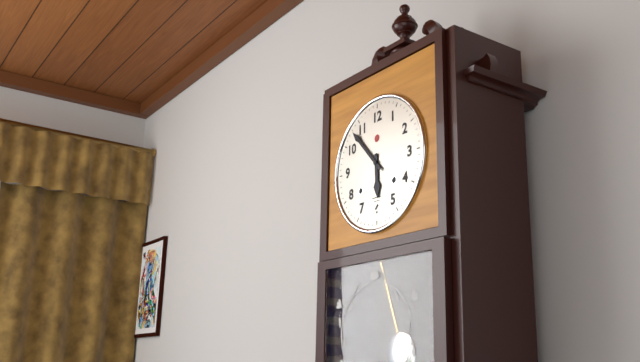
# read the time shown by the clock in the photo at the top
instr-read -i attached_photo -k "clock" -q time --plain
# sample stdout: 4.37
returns 5.53
